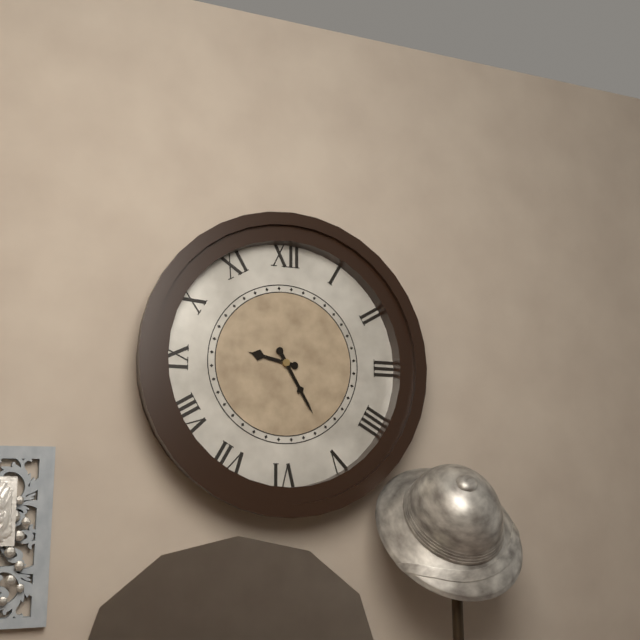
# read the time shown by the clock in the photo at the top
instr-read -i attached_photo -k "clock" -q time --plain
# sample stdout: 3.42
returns 9.25
